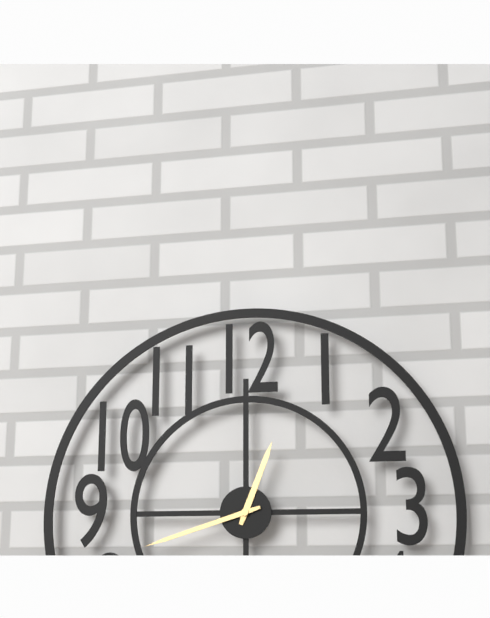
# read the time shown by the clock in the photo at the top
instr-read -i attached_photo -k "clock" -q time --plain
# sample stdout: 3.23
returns 12.42
